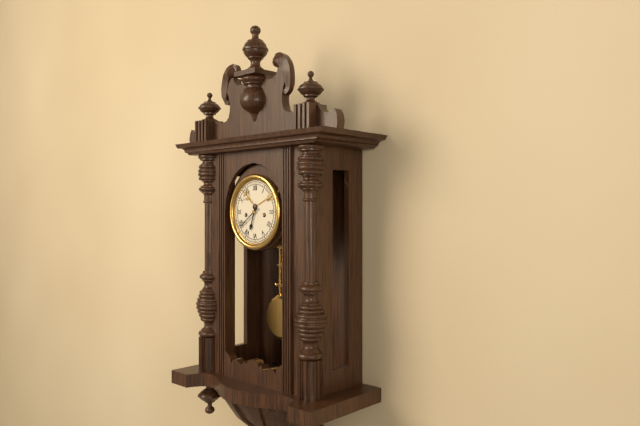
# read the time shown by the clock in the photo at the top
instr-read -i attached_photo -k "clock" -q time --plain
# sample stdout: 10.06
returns 6.39
